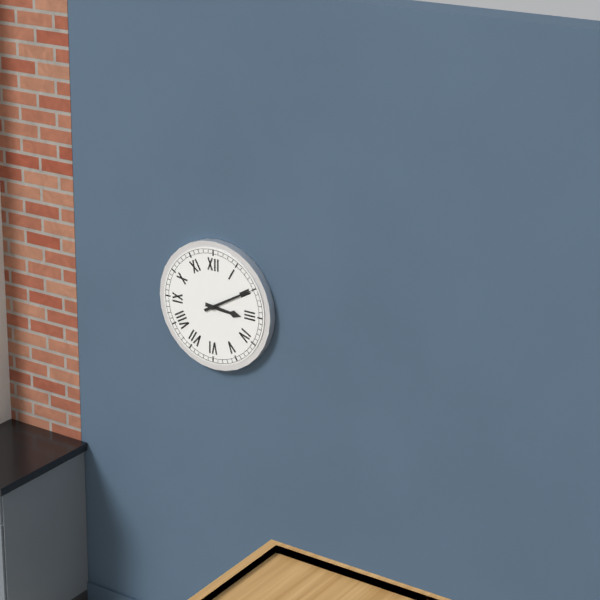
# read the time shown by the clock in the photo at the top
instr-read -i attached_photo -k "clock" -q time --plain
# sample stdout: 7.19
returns 3.10
